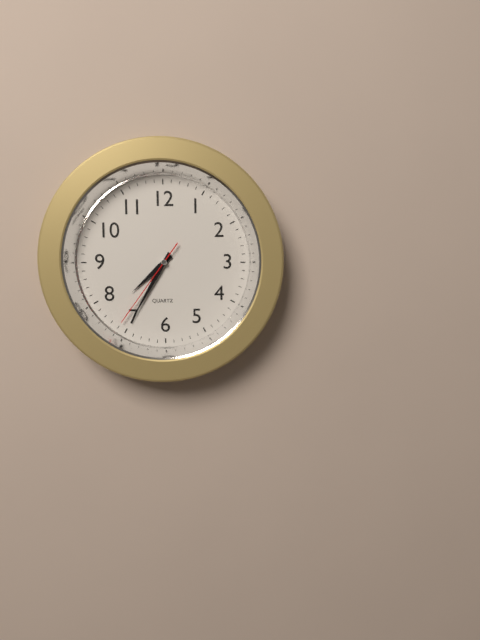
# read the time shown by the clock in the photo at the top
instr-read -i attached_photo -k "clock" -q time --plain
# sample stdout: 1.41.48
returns 7.35.36
